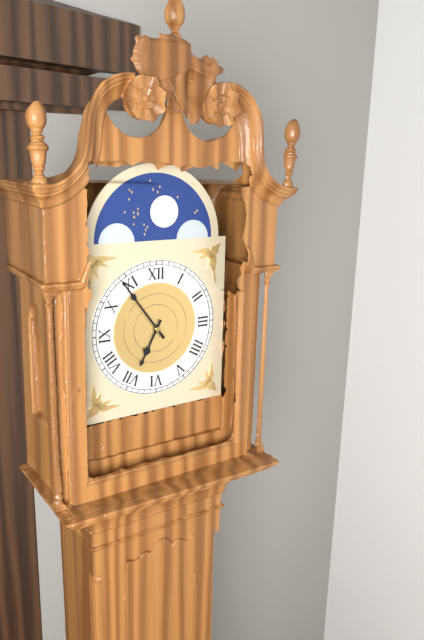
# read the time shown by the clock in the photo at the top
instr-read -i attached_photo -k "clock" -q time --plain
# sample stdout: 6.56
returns 6.54
